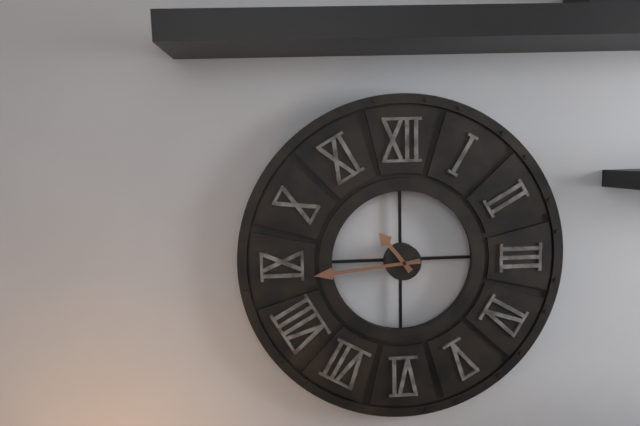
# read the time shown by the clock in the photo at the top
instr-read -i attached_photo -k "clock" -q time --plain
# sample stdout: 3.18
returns 10.44
